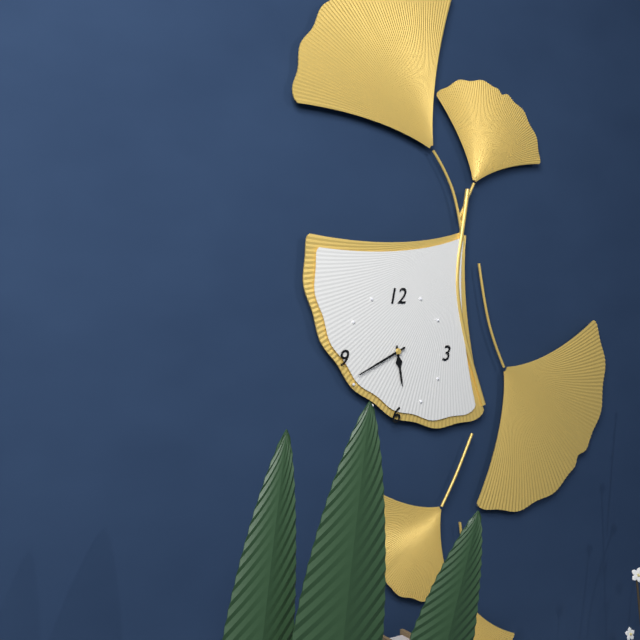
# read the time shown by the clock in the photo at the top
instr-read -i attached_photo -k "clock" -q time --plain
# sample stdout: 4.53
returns 5.41
